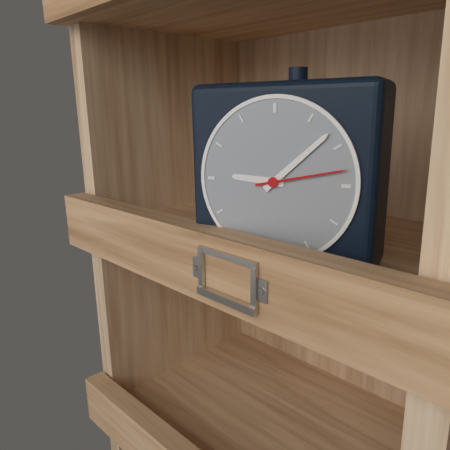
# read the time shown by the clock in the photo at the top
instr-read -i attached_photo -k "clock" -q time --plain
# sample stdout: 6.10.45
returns 9.08.13
